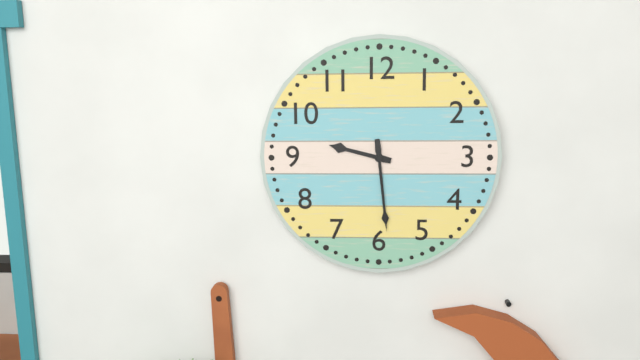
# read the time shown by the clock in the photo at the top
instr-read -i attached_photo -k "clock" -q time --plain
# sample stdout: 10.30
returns 9.29
